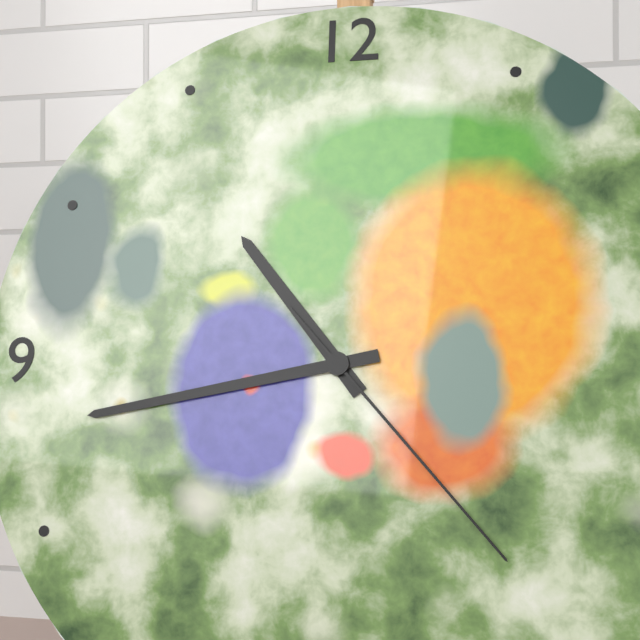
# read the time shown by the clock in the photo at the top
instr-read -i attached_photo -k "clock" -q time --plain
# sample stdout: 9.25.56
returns 10.43.23
